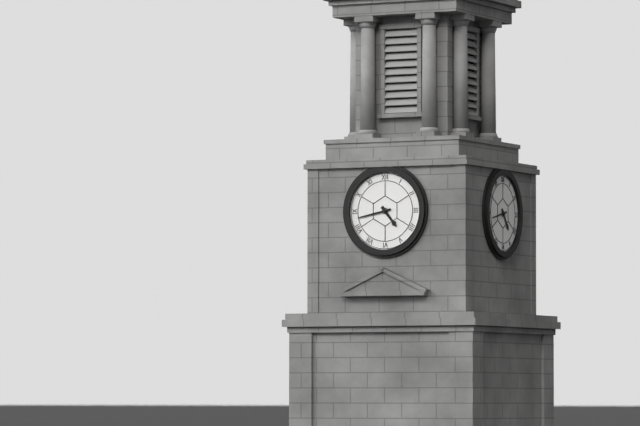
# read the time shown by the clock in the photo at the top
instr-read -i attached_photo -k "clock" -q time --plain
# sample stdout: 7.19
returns 4.43
